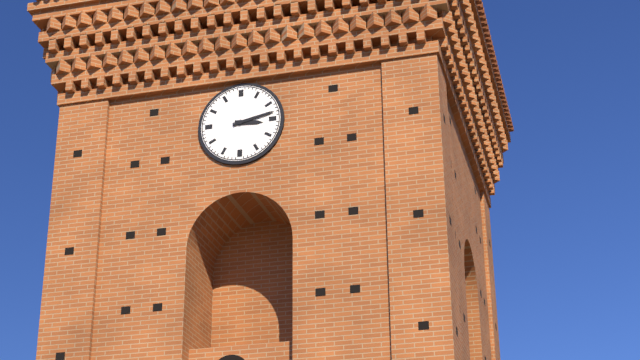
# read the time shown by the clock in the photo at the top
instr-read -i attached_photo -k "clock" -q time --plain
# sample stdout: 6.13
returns 3.13
